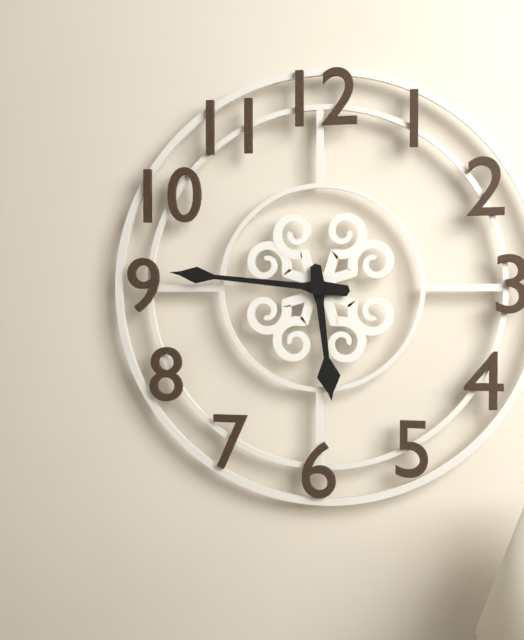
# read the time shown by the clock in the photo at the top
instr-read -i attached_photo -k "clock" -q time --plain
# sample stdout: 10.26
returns 5.46
